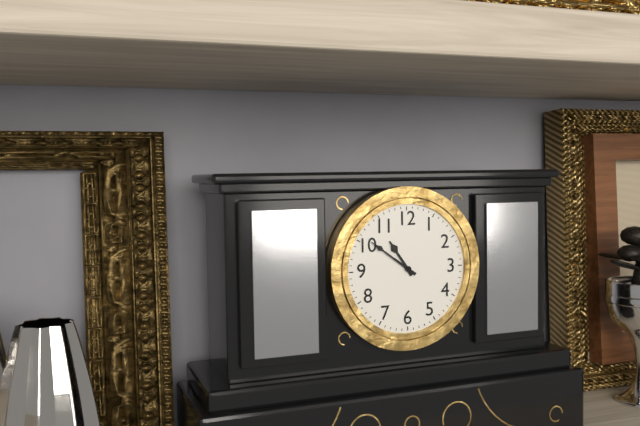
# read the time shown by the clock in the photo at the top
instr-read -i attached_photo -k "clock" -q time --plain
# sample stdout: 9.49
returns 10.51
